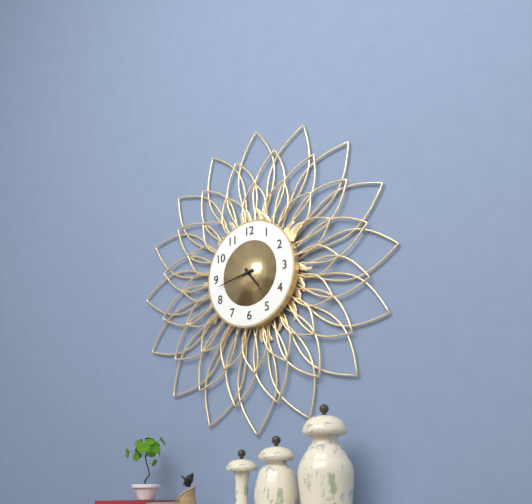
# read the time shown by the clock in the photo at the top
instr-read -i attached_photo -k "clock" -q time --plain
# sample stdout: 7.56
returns 4.43
